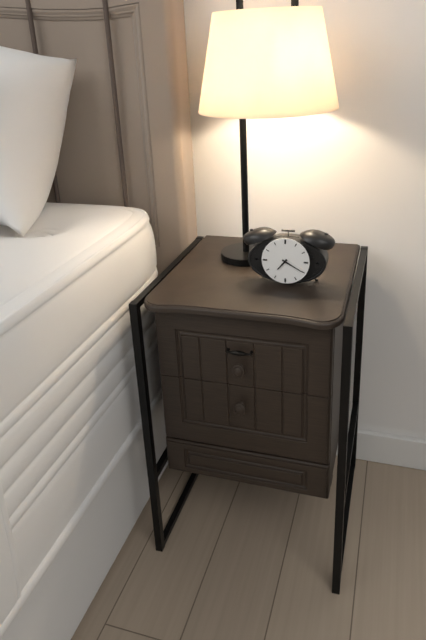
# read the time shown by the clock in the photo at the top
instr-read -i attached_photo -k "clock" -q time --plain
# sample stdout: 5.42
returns 7.20
